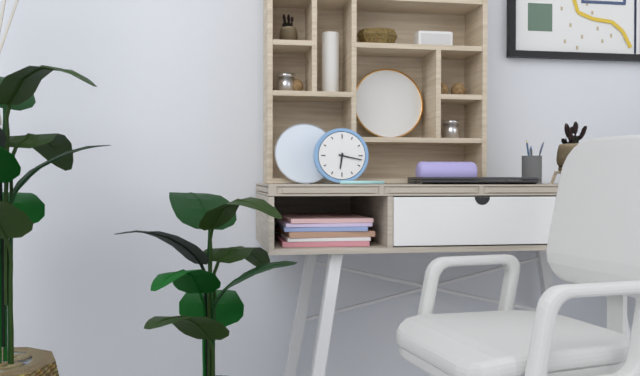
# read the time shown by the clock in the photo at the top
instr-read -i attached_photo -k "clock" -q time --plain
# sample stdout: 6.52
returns 6.17
